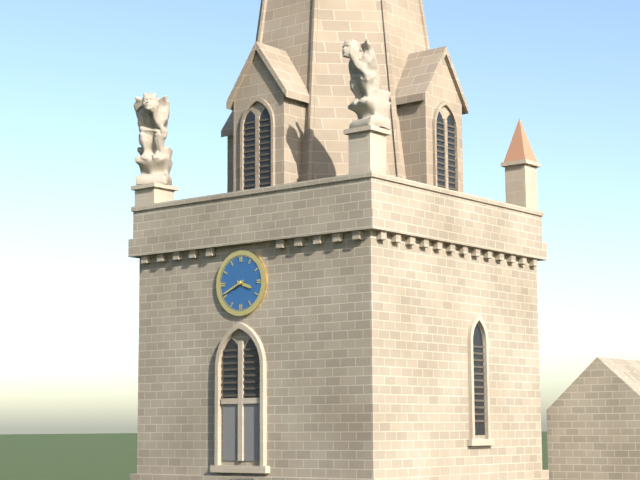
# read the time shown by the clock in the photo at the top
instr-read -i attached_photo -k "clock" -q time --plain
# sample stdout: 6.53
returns 3.41
